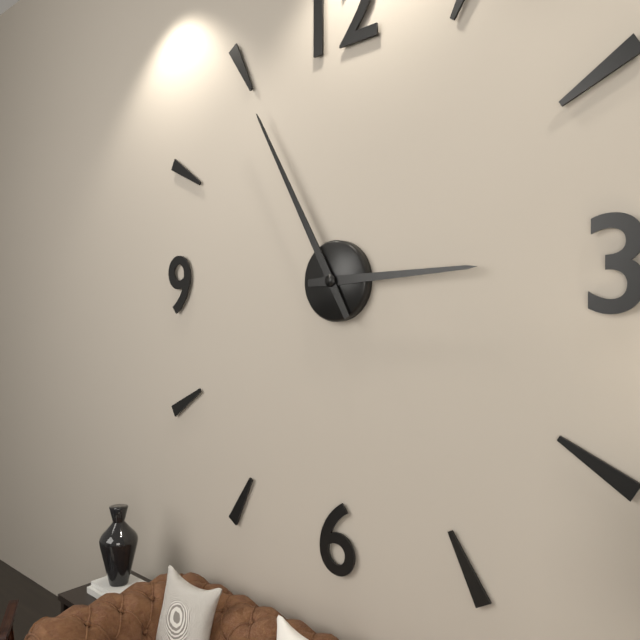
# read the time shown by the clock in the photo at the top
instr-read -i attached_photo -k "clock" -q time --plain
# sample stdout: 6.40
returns 2.55
